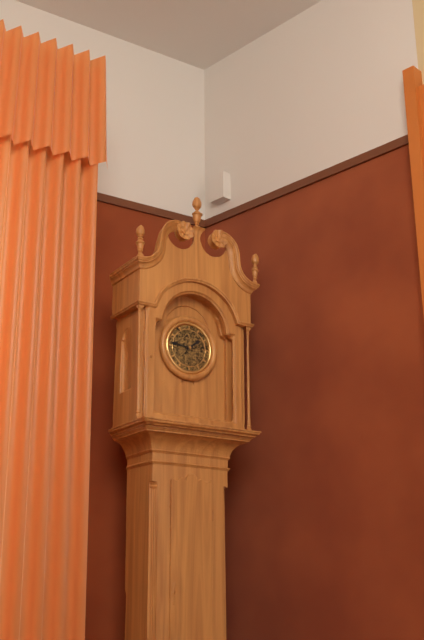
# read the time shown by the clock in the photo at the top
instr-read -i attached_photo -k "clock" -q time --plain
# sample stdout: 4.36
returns 1.46
